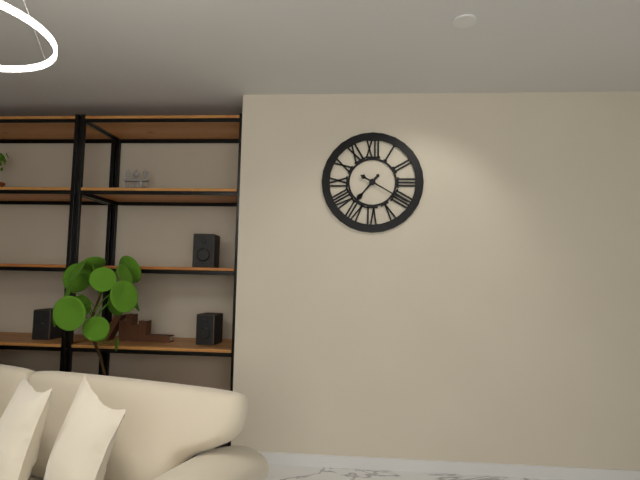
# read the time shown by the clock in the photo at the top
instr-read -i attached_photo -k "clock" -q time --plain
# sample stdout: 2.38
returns 7.20
